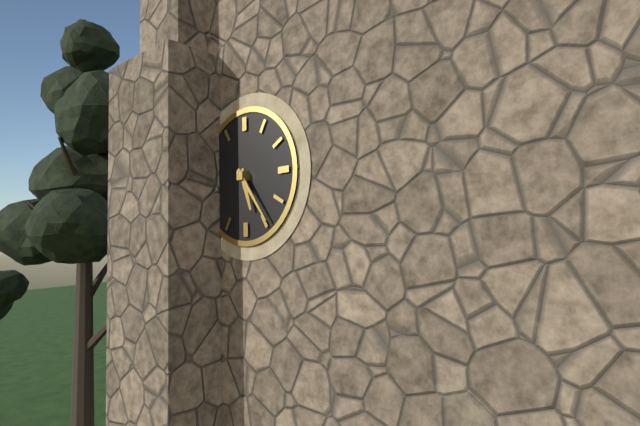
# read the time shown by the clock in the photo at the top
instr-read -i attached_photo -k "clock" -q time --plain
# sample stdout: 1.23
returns 5.24
